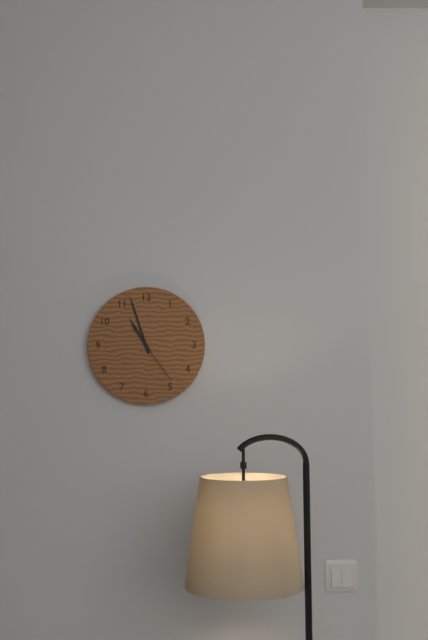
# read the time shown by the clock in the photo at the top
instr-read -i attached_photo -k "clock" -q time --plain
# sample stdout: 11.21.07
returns 10.57.24
